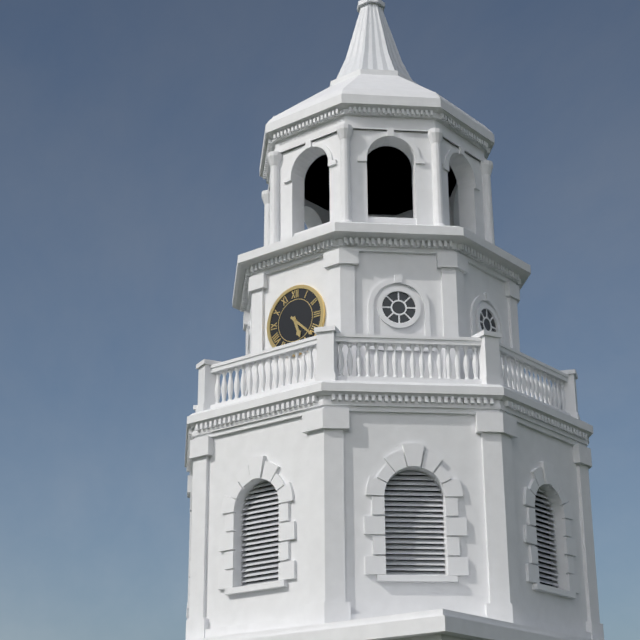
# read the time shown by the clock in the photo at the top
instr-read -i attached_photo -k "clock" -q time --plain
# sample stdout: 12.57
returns 5.22
